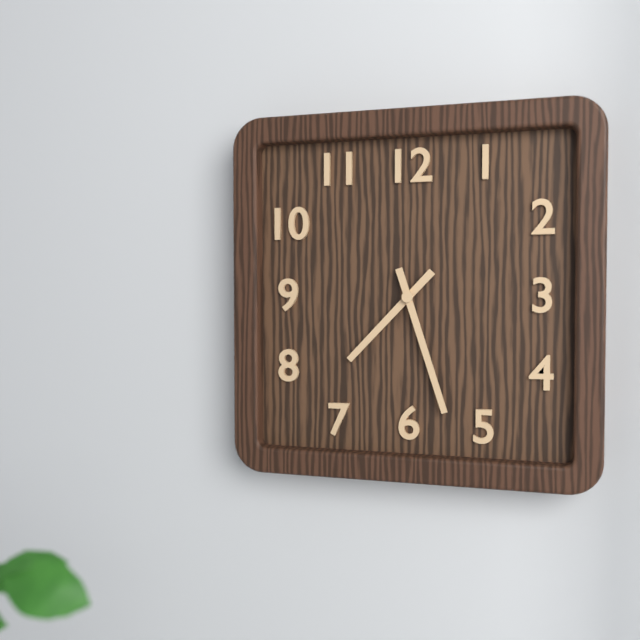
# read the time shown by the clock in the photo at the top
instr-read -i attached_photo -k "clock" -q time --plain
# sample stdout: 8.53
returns 7.27
